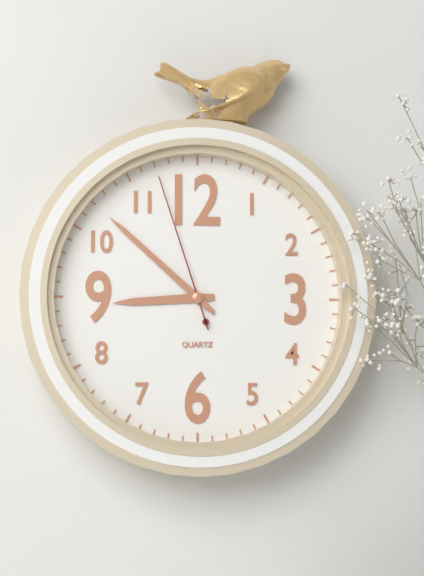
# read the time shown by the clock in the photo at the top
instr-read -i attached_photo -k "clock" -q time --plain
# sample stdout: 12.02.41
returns 8.52.57
